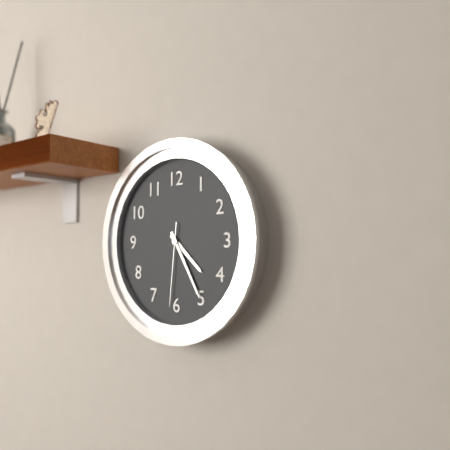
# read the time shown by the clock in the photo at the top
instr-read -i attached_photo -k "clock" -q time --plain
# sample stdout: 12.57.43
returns 4.25.31
